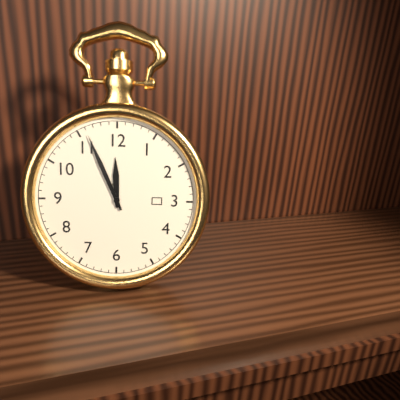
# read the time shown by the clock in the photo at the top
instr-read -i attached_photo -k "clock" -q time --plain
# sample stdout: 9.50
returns 11.56
